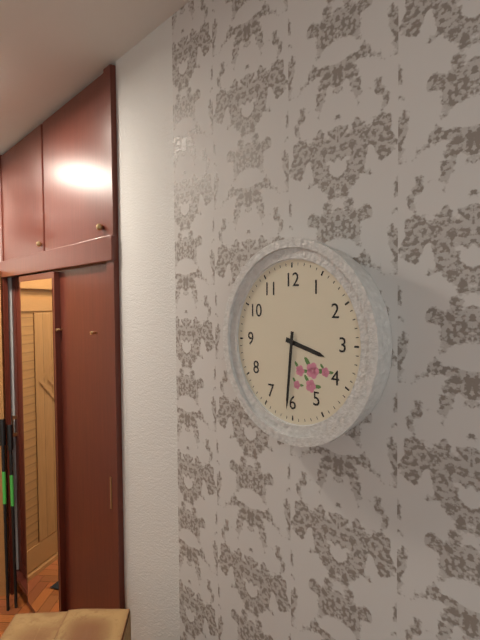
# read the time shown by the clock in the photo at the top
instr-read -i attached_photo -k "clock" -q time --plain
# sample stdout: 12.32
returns 3.31
